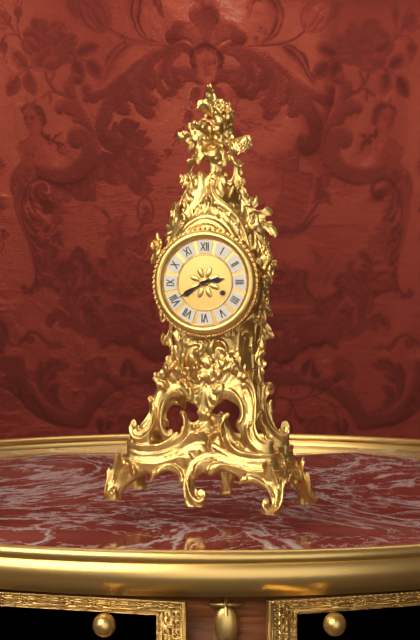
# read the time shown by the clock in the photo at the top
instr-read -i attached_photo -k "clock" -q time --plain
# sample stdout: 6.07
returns 2.40
